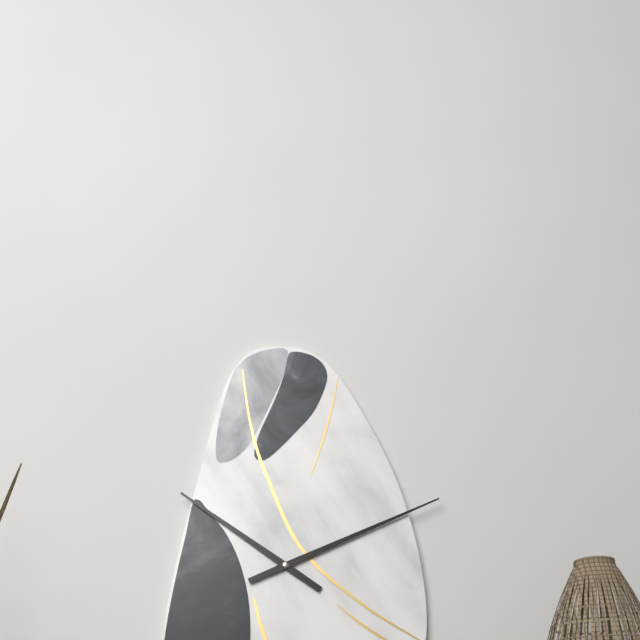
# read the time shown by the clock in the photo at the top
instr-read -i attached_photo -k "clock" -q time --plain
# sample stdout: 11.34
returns 10.11
